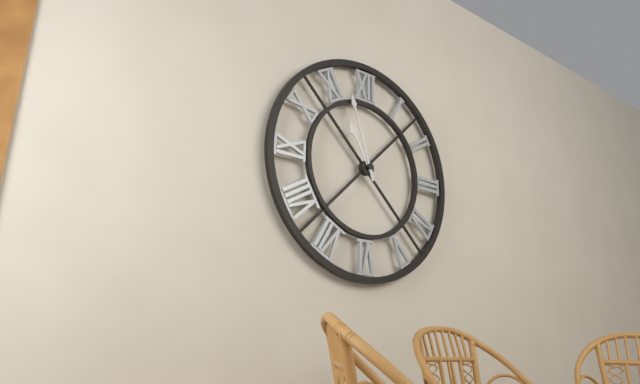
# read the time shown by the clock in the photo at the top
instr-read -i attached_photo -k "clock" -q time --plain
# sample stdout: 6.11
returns 10.57
